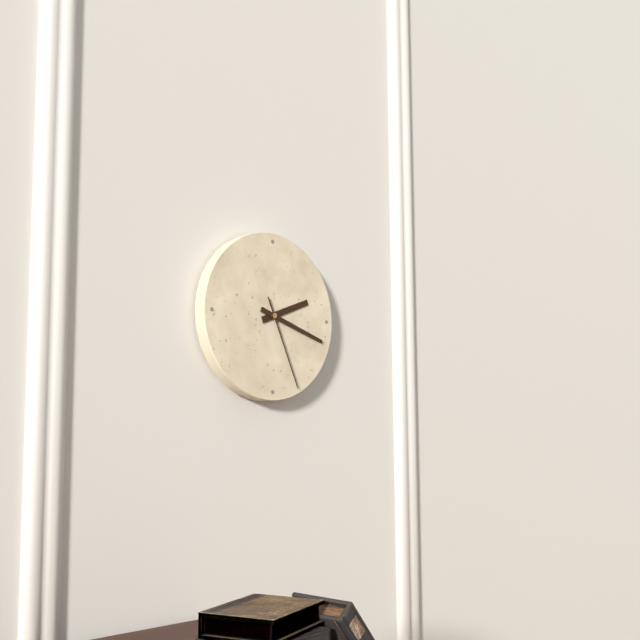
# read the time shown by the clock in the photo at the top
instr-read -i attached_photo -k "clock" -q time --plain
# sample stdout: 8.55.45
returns 2.18.26
